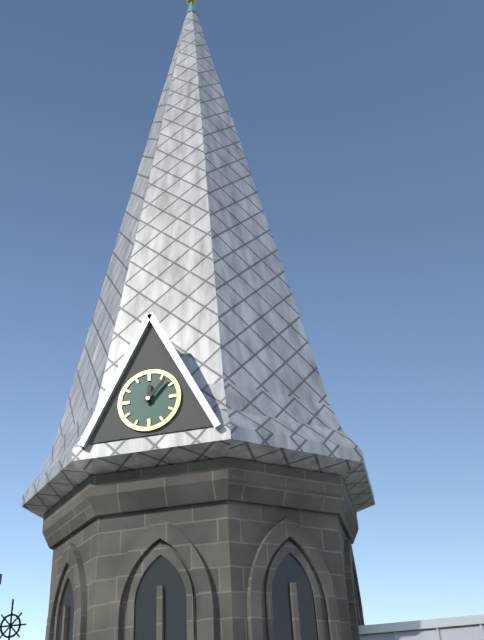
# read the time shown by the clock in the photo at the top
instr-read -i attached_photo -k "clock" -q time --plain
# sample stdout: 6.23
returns 12.07
